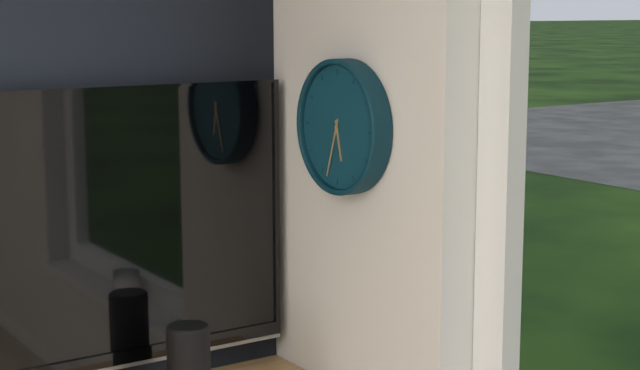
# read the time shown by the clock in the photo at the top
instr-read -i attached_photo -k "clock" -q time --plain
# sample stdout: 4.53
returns 5.33
